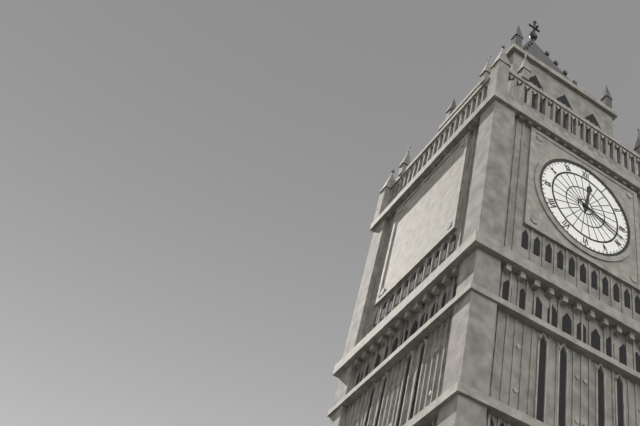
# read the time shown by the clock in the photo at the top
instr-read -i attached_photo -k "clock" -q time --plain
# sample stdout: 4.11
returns 12.18
